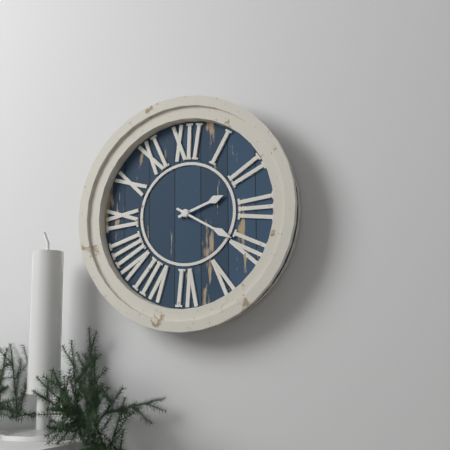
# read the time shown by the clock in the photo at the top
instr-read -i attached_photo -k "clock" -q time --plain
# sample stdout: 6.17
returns 2.20
